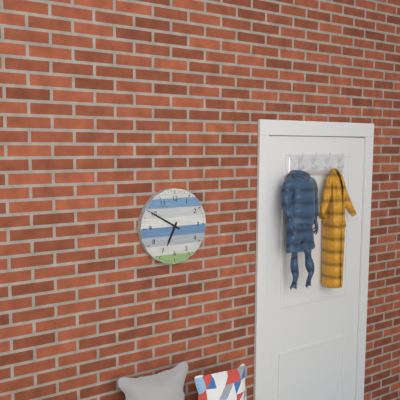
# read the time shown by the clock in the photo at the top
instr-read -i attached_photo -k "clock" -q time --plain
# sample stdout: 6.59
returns 6.50
